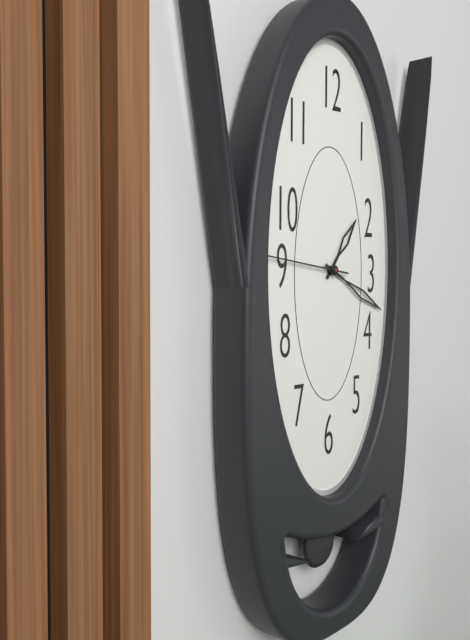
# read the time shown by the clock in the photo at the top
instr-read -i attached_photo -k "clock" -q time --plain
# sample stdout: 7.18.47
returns 1.19.46
